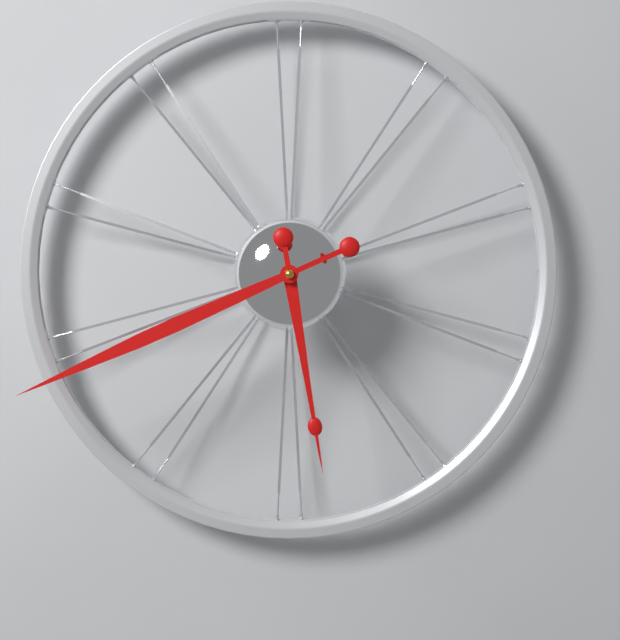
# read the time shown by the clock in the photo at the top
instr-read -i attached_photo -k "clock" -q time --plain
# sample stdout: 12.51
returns 5.41
